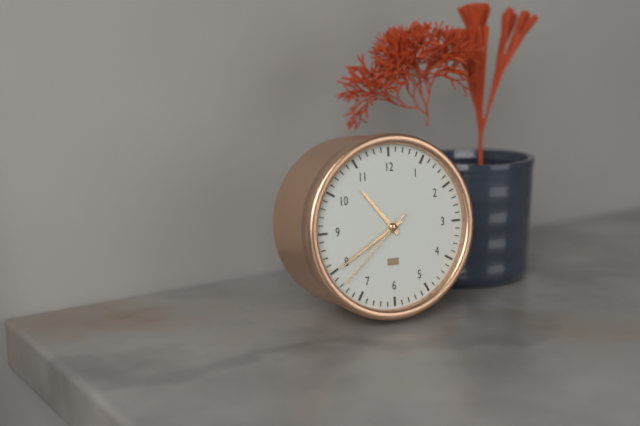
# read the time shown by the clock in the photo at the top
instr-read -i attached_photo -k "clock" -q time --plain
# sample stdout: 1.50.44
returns 10.40.38
